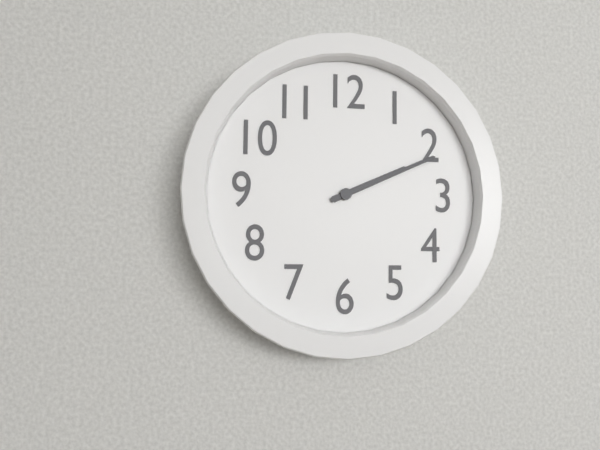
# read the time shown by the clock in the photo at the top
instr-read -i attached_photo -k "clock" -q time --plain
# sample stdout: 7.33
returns 2.11
